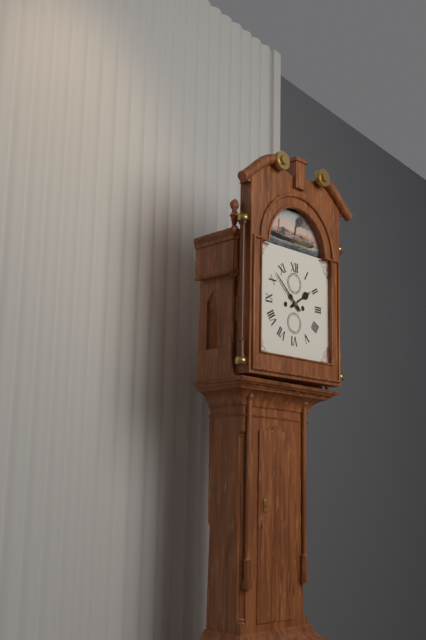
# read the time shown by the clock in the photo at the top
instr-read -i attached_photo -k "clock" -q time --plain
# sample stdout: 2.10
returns 1.52
